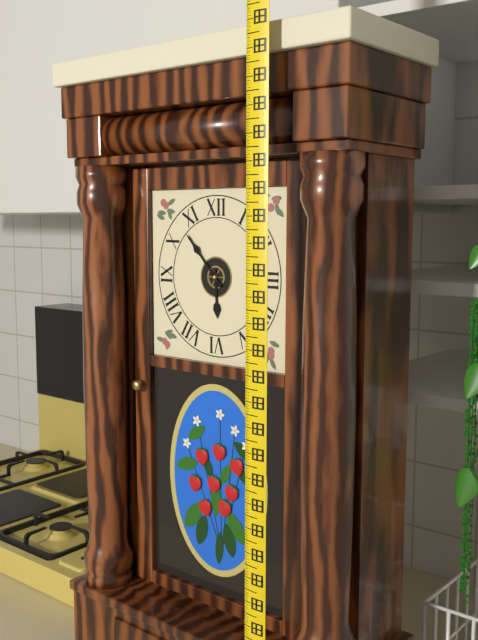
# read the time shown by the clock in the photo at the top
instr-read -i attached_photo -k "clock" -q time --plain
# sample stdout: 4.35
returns 5.53
